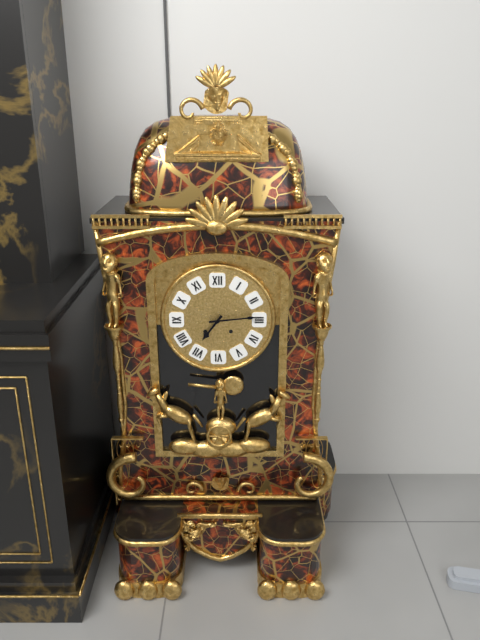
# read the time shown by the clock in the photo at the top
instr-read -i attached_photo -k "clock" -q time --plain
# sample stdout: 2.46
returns 7.14
